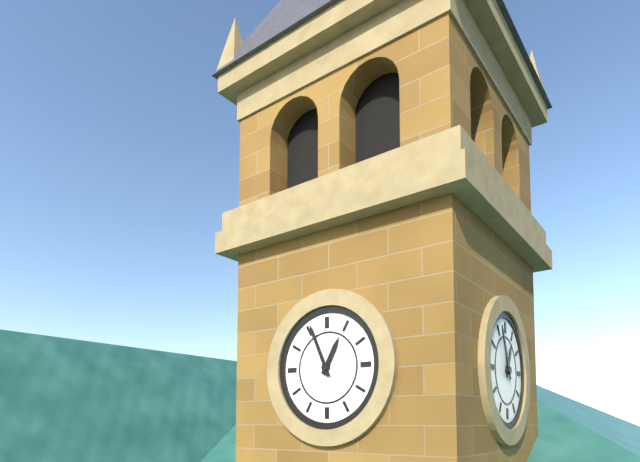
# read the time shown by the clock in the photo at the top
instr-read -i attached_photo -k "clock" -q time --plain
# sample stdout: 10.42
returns 12.56
